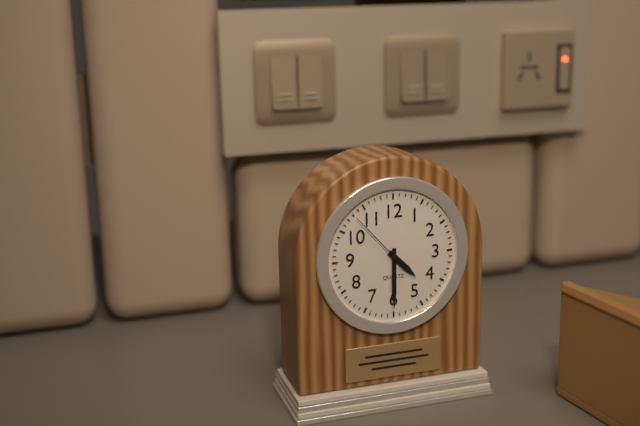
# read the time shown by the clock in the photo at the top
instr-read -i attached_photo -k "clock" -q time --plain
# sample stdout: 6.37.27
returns 4.30.53
